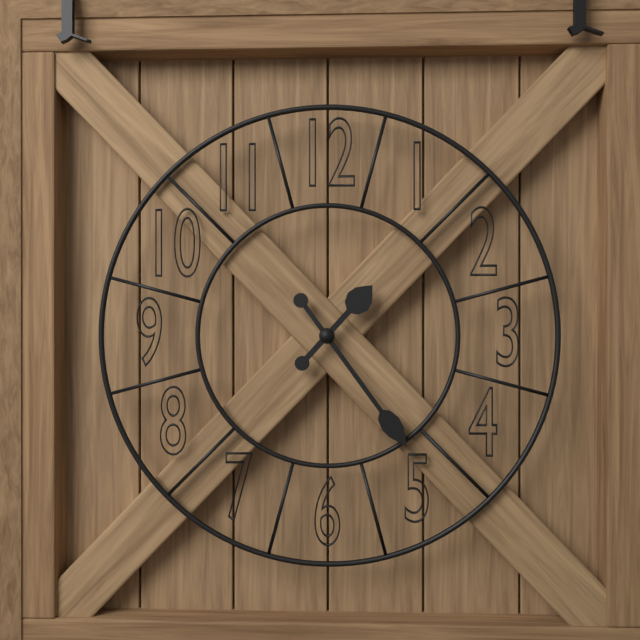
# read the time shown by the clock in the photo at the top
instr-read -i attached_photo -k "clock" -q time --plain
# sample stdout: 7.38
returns 1.24
